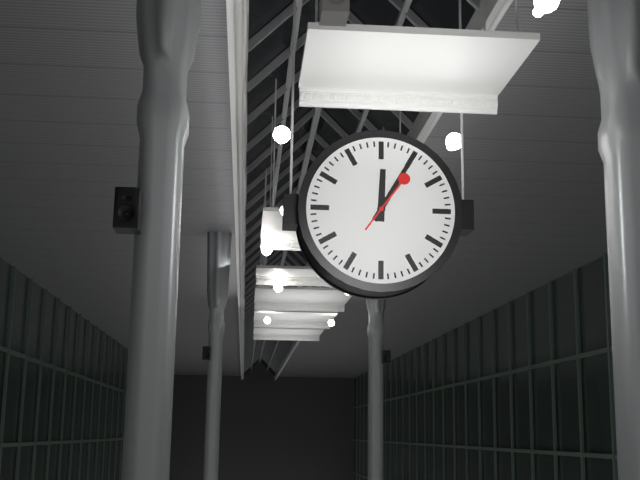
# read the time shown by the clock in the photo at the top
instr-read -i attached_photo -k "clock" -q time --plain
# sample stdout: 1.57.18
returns 12.05.06
